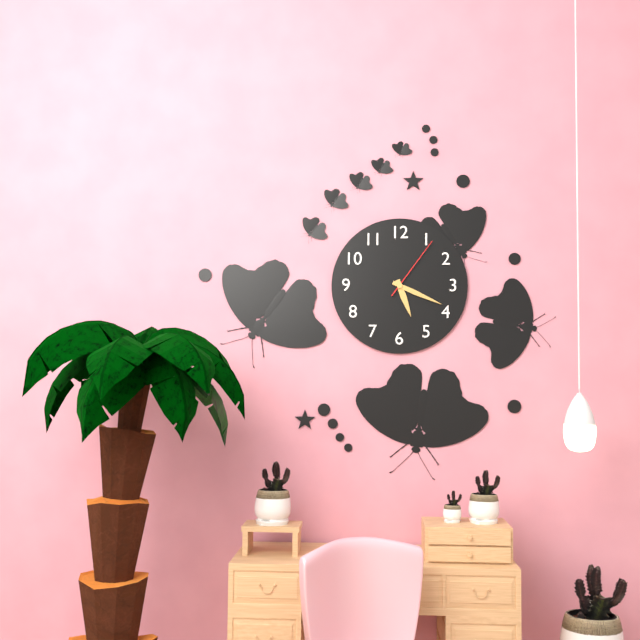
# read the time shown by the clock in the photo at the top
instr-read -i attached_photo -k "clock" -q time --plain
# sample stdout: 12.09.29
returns 5.19.06
